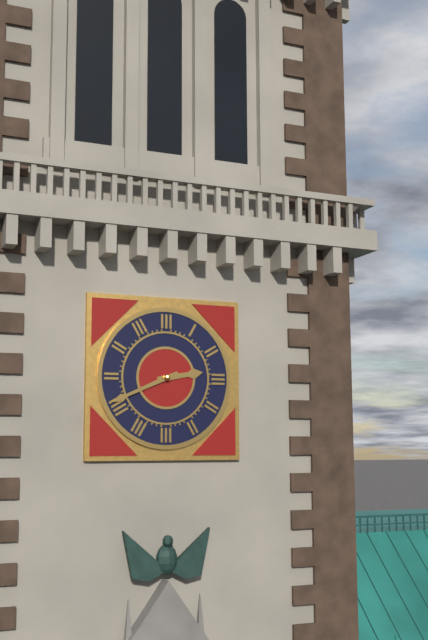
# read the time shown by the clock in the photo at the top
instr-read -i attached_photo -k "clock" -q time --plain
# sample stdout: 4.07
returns 2.41
